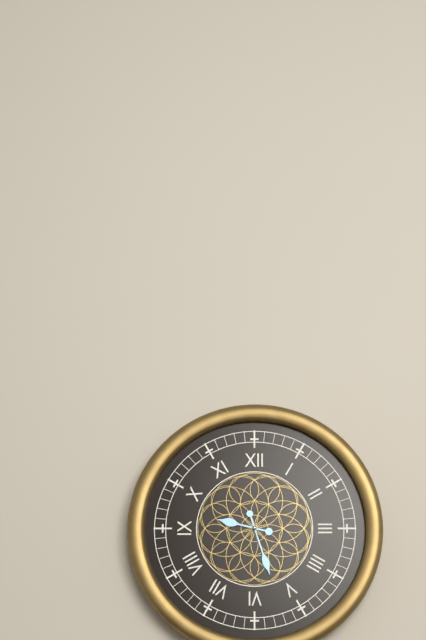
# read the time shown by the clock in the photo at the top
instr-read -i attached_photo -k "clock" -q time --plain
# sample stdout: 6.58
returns 9.27
